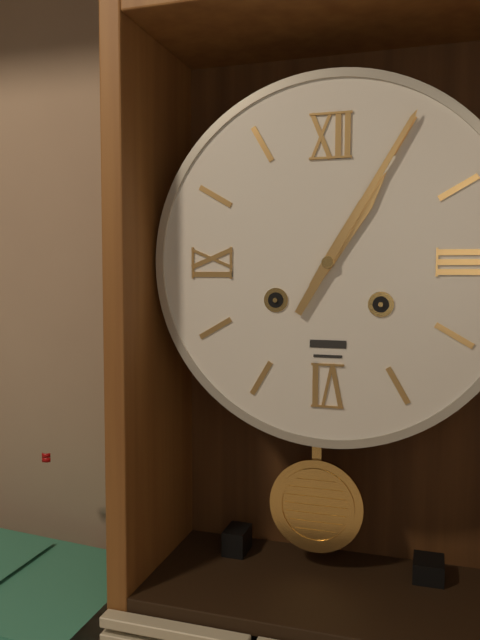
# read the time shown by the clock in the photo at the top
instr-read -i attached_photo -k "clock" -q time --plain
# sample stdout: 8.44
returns 1.05
